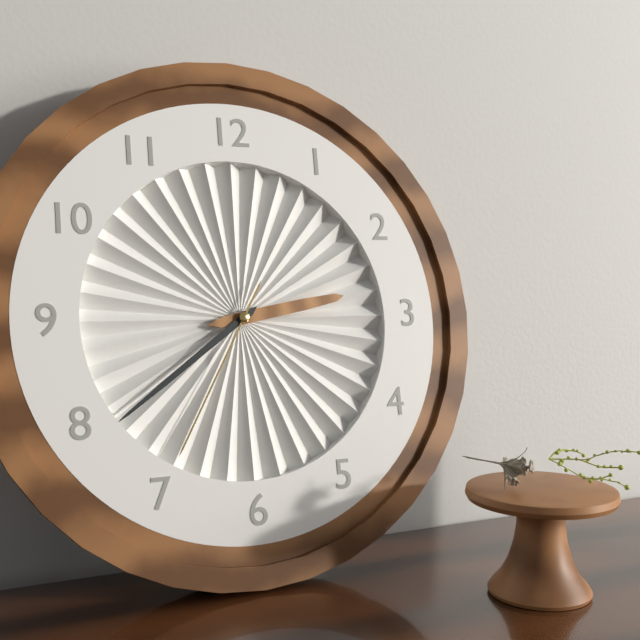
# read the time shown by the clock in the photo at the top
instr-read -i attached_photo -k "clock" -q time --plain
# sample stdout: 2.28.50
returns 2.39.35
